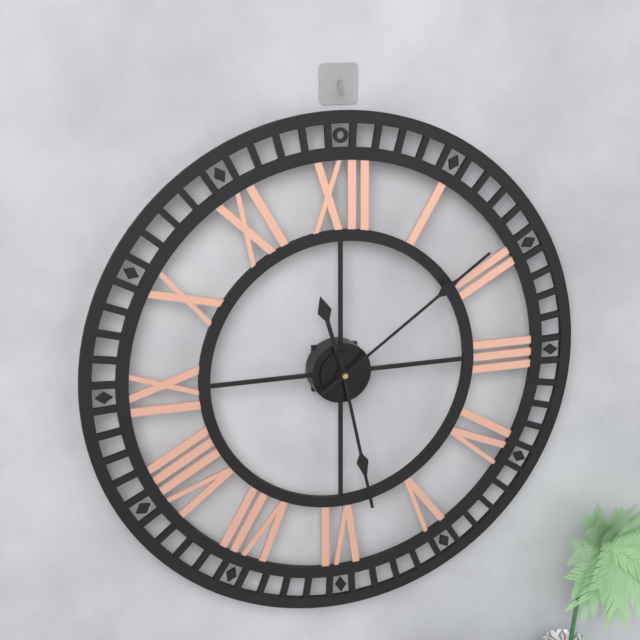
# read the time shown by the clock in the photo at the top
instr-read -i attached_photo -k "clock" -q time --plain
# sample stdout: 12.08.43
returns 11.28.09
